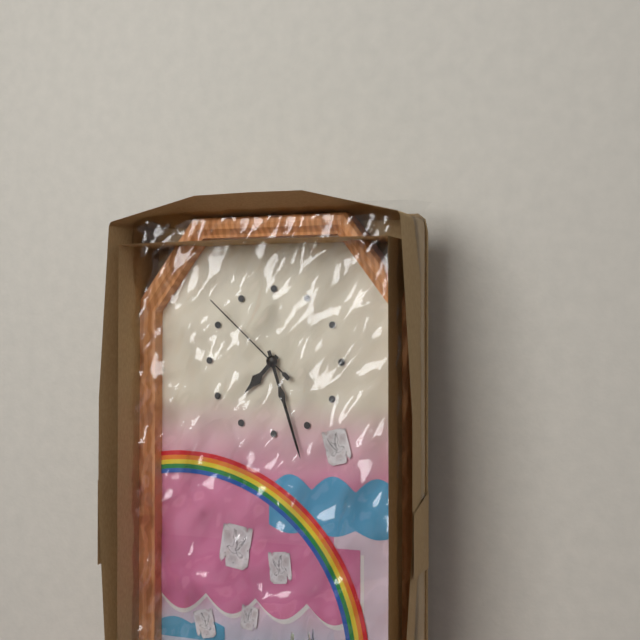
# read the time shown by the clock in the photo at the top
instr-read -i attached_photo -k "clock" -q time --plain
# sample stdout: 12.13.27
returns 7.27.52
